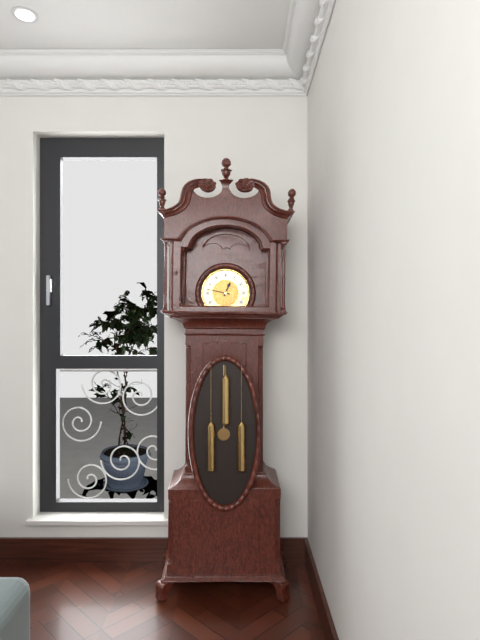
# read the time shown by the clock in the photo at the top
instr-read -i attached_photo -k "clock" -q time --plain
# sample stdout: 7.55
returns 12.47
